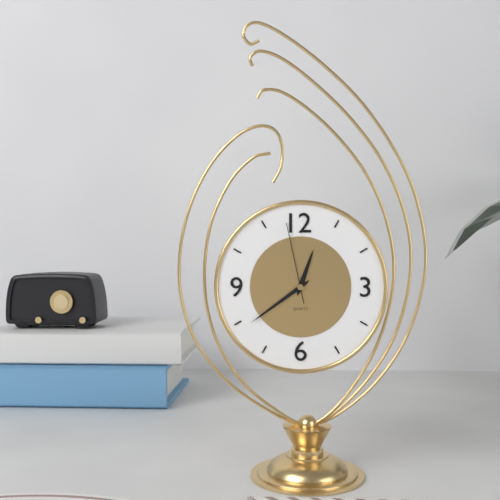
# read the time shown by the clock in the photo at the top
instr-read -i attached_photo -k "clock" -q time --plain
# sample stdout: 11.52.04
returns 12.39.58
